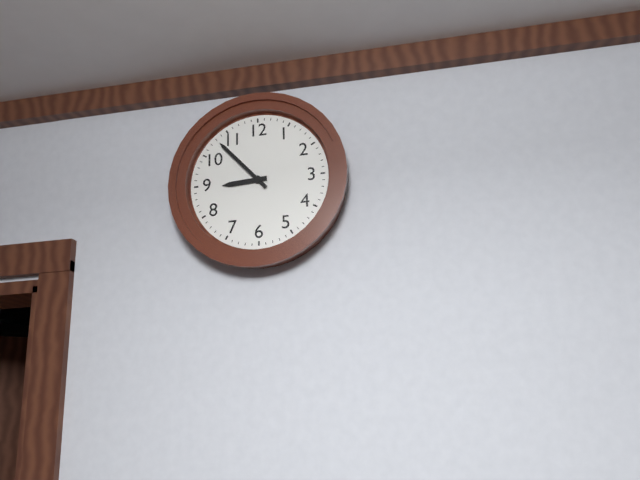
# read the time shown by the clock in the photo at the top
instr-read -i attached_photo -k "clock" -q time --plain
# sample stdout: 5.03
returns 8.53
